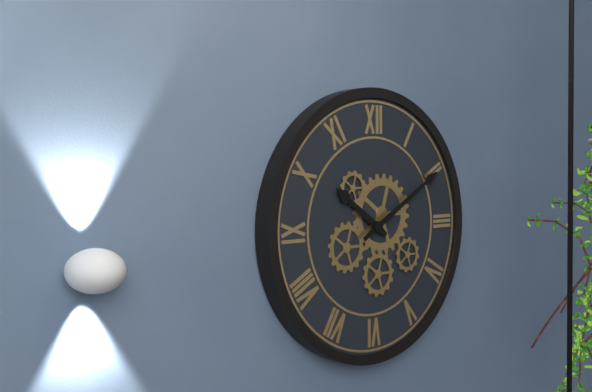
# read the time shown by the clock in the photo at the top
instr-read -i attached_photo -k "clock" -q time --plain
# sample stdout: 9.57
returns 10.10
